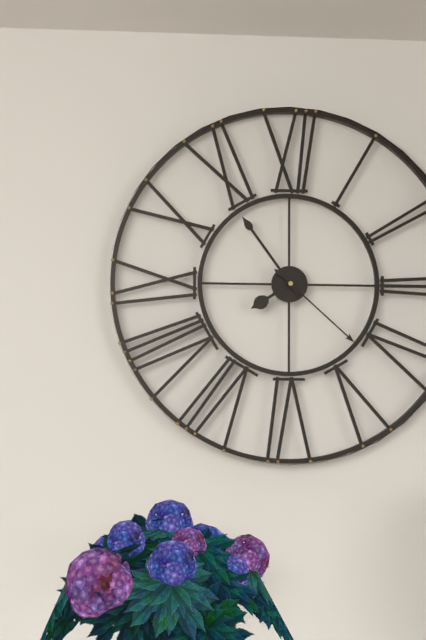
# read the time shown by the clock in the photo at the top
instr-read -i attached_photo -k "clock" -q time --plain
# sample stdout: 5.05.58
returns 7.54.22
